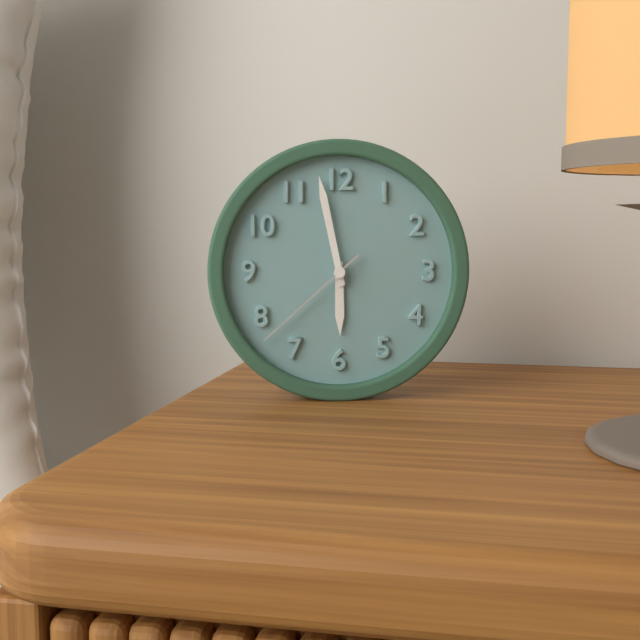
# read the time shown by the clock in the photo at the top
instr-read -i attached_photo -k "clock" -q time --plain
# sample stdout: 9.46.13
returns 5.58.38
